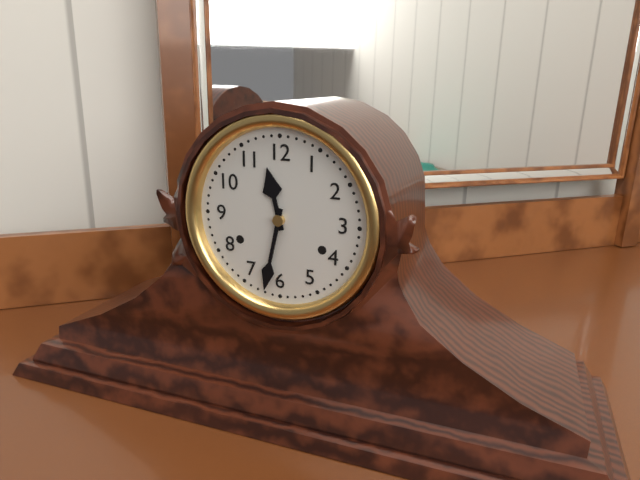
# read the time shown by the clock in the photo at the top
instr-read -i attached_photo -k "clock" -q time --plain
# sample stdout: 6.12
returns 11.32
